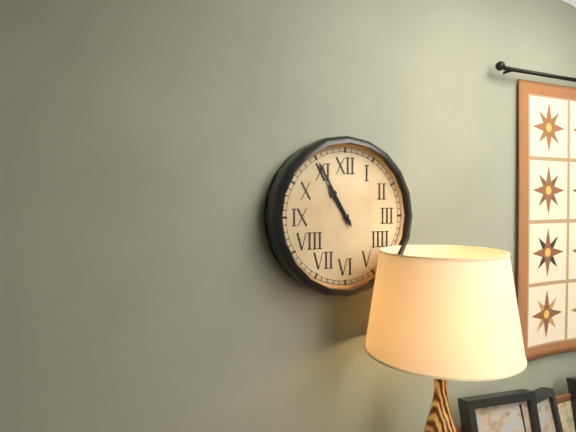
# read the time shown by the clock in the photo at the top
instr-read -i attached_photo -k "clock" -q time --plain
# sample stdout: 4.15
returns 10.55
